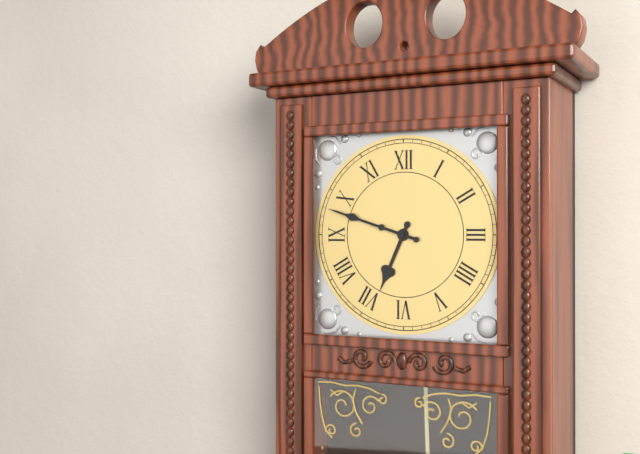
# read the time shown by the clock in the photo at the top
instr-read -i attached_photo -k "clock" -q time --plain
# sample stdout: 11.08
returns 6.48
